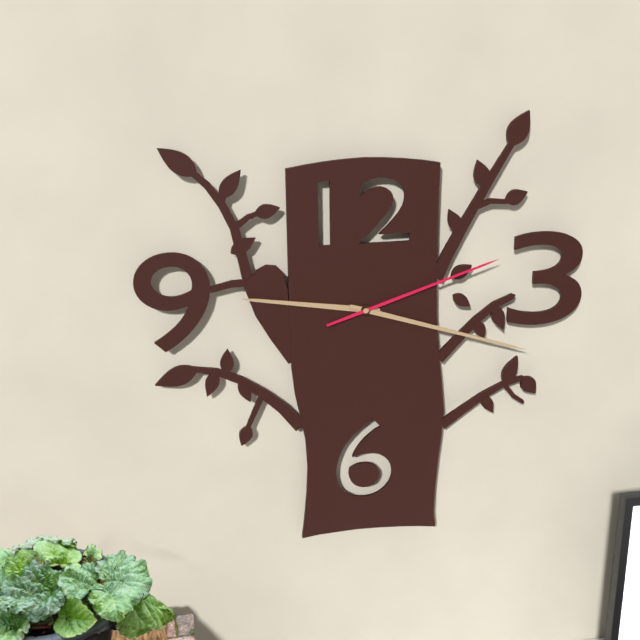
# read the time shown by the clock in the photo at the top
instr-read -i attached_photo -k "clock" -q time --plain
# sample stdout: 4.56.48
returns 9.18.12
